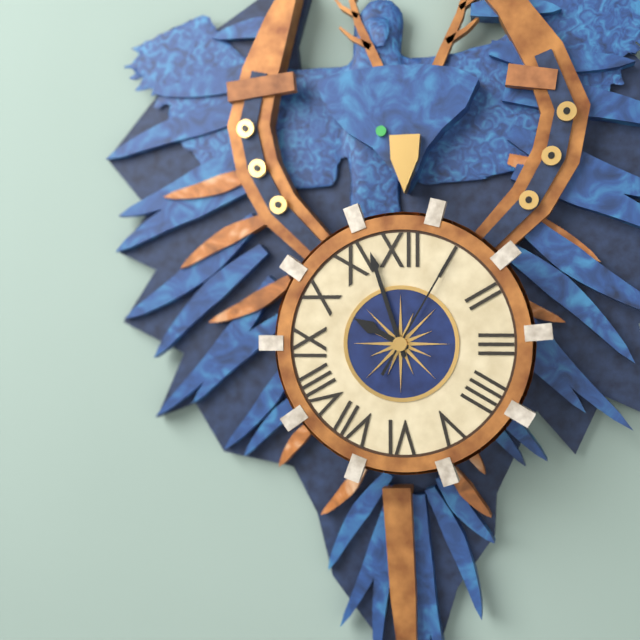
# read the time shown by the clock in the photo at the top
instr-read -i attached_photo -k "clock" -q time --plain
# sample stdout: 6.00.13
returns 9.57.05
